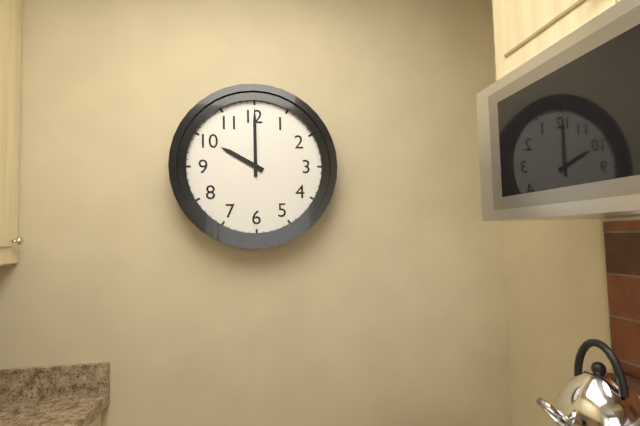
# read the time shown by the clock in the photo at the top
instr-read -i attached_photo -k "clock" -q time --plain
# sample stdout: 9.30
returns 10.00
